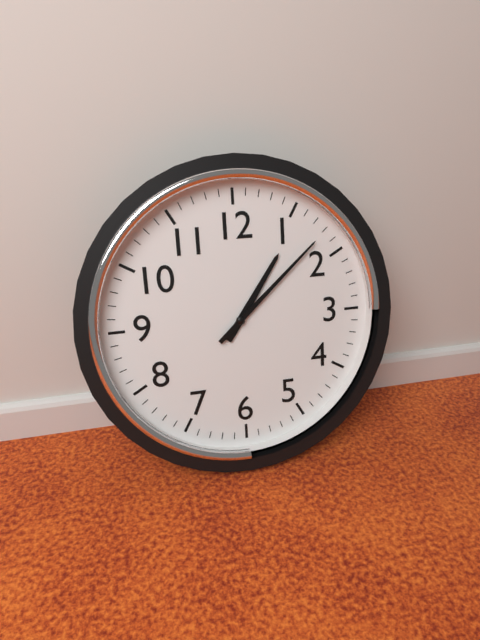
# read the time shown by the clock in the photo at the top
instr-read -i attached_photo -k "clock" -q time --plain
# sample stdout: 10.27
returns 1.08
